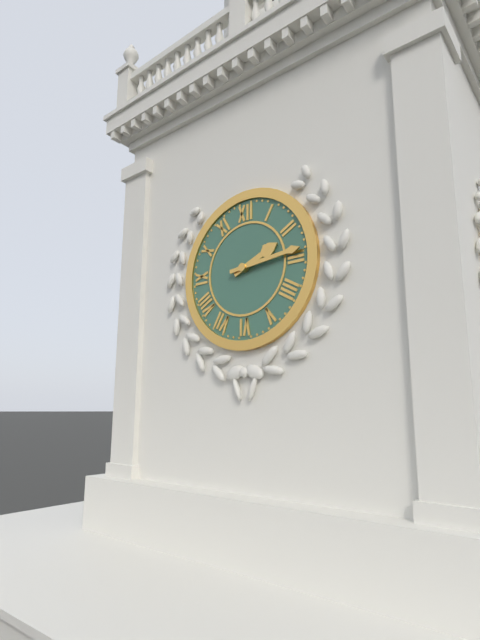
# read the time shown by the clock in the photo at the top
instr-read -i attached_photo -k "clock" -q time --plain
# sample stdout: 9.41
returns 2.14
